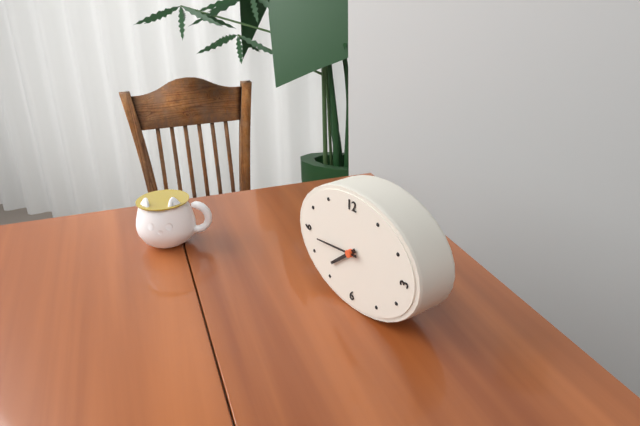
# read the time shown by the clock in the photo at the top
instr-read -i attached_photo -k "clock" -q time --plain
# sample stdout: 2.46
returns 7.44
